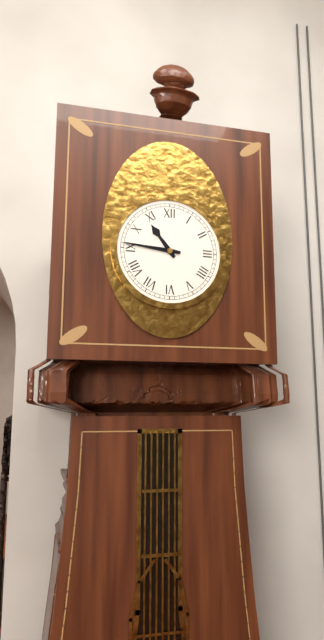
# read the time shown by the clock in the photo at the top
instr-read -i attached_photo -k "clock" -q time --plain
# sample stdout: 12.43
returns 10.46
